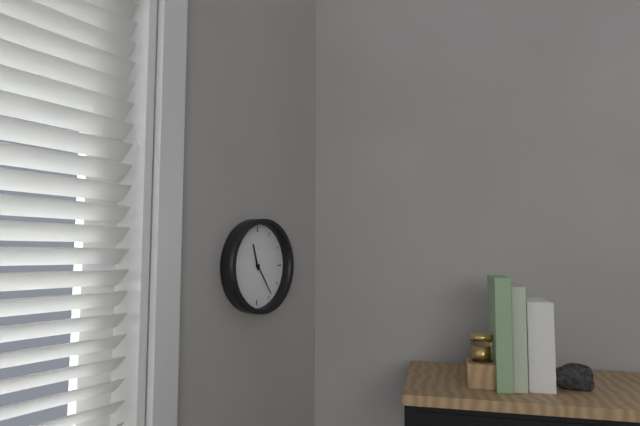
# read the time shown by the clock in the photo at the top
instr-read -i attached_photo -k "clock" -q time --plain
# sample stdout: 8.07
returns 11.24
